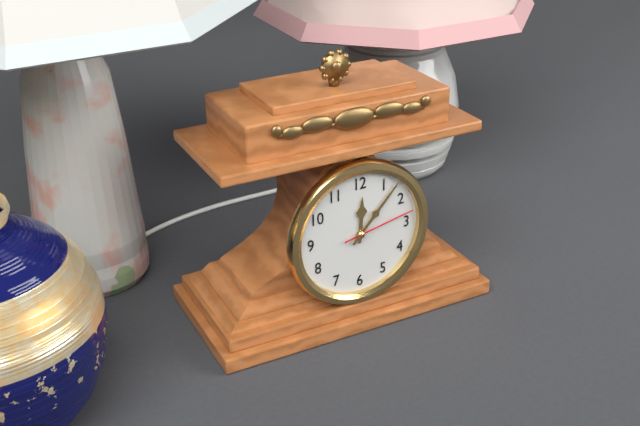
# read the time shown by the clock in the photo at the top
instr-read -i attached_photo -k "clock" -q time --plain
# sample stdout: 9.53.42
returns 12.07.13
